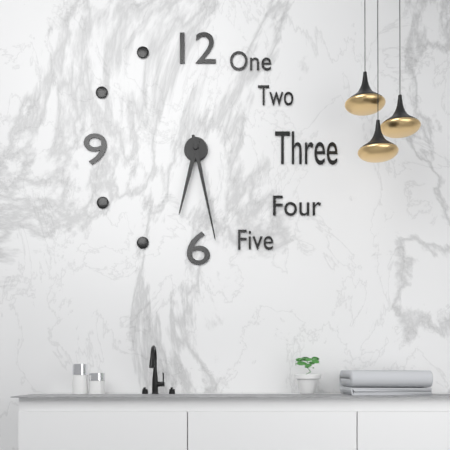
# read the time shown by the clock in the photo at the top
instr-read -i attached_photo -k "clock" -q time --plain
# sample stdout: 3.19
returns 6.28
